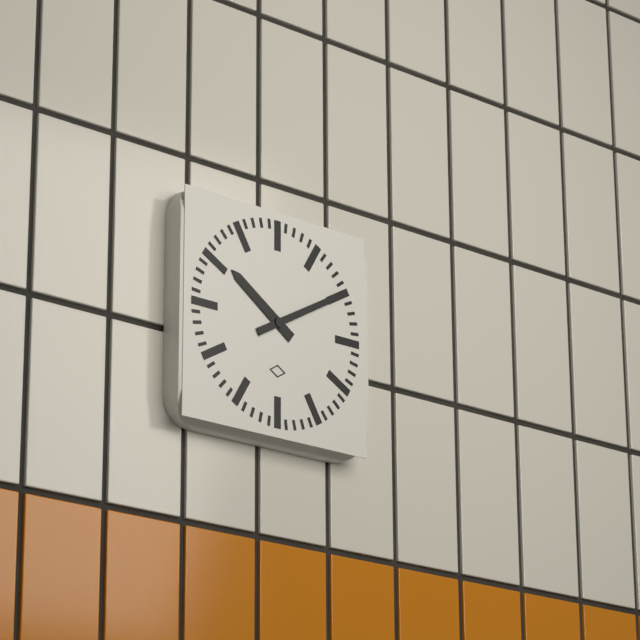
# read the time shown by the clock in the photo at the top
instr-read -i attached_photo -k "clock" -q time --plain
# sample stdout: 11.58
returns 10.10
